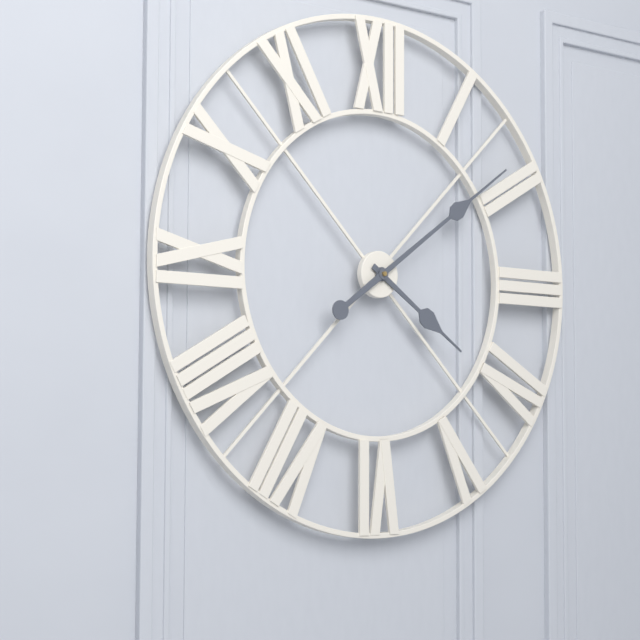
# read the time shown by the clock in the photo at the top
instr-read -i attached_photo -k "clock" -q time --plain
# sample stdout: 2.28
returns 4.09
